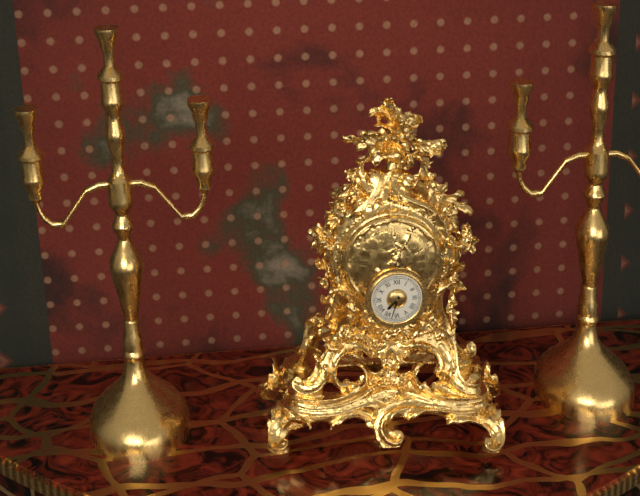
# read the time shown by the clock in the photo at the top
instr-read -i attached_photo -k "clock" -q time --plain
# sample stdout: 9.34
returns 7.33
